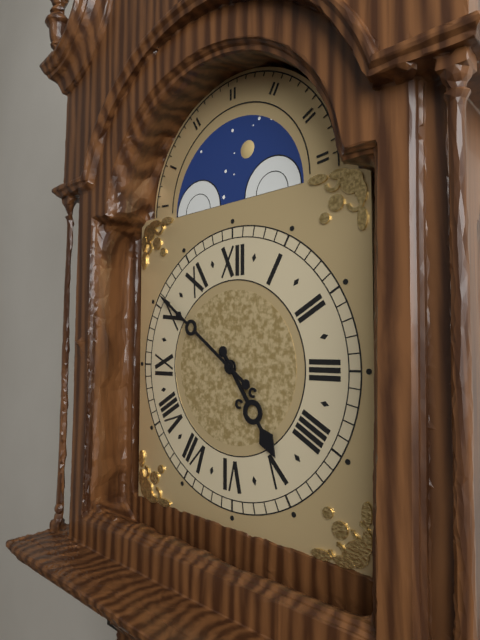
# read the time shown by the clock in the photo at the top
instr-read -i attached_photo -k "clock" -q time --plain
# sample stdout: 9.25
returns 4.51
